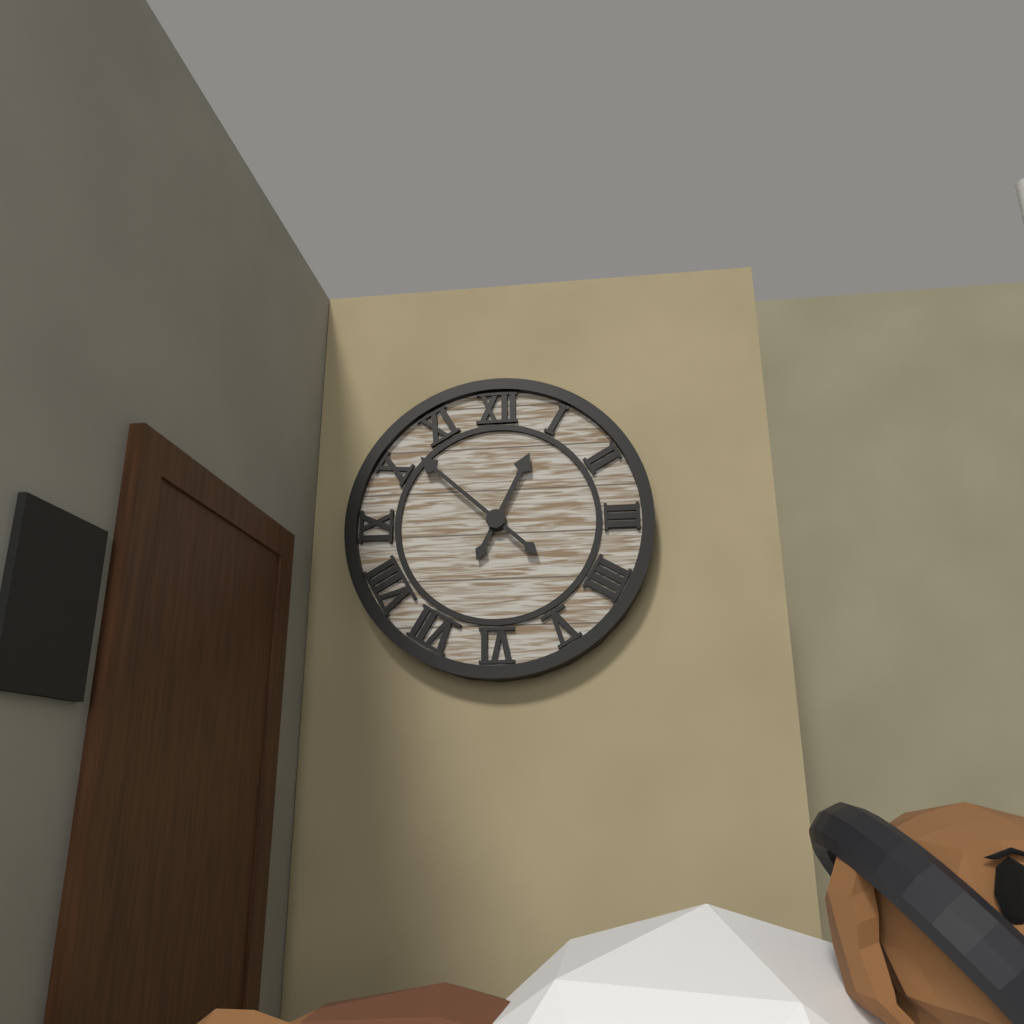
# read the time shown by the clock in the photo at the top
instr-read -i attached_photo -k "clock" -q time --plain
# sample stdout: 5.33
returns 12.52
